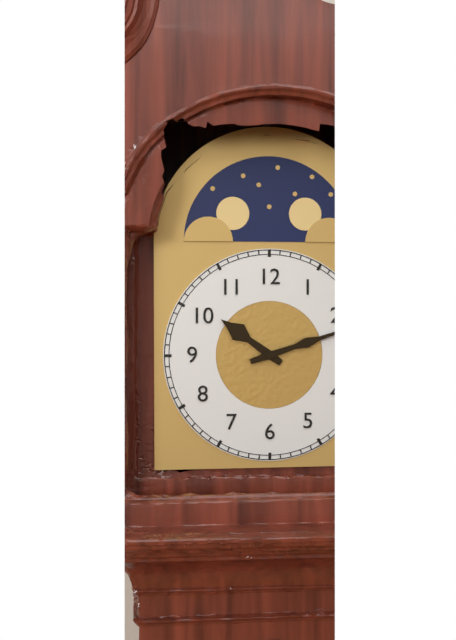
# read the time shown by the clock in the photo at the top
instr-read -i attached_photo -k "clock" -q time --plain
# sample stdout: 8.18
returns 10.12
